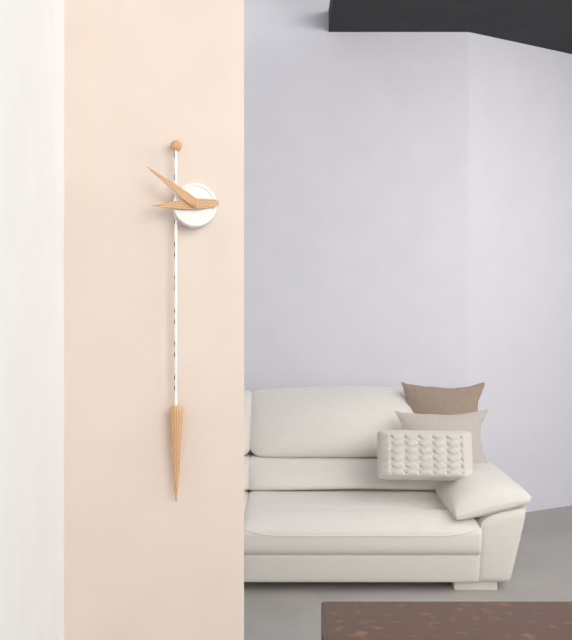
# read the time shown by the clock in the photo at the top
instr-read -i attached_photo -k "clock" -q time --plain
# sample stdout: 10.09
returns 8.51
